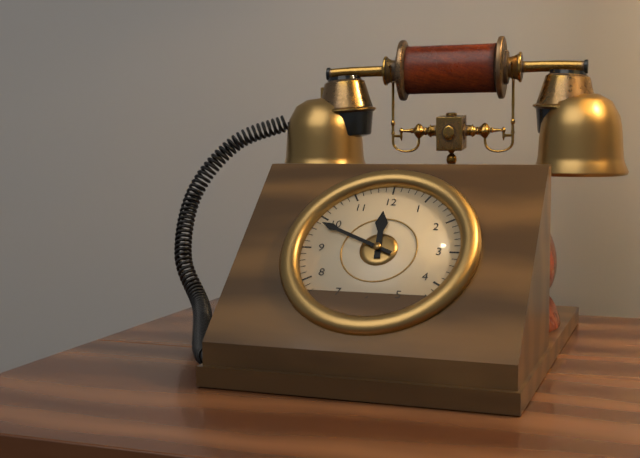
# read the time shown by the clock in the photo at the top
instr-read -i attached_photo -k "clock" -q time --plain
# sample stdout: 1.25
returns 11.49
